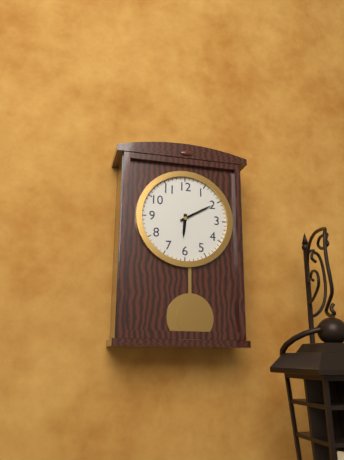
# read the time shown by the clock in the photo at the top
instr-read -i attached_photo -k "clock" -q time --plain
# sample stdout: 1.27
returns 6.10
